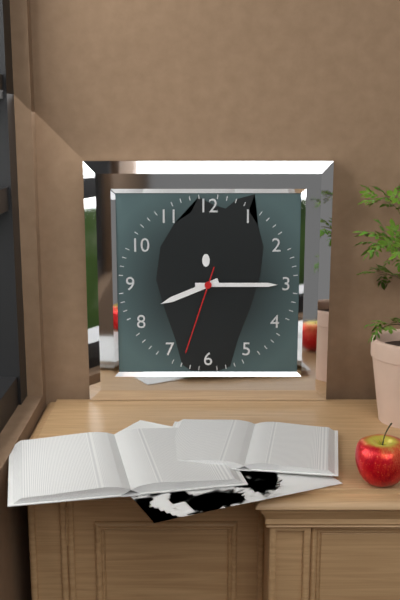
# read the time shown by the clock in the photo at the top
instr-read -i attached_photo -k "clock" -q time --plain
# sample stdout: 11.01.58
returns 8.15.33
